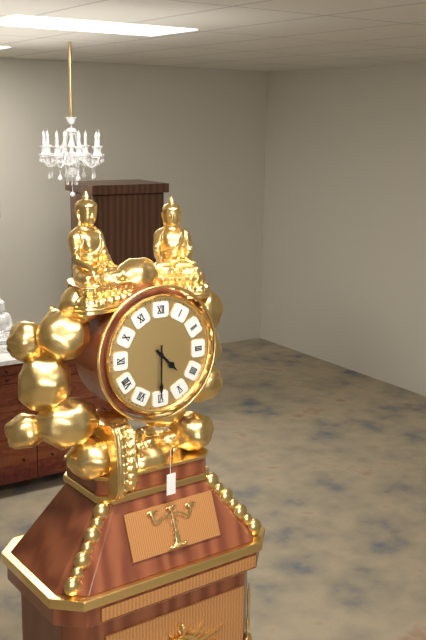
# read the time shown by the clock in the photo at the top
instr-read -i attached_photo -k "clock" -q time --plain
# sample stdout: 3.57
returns 4.30
